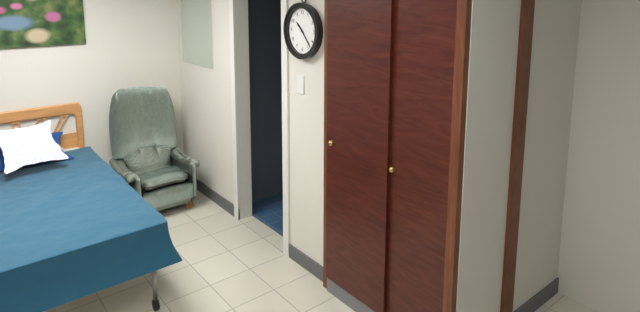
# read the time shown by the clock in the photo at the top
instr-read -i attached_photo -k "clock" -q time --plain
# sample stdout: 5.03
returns 10.23
